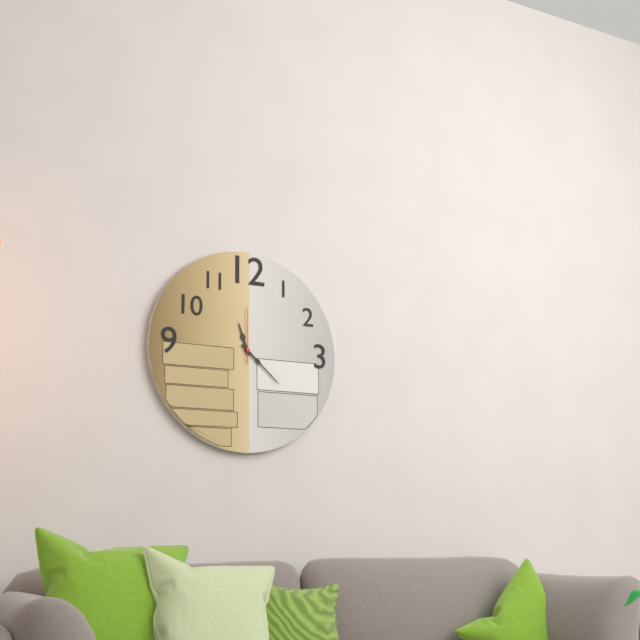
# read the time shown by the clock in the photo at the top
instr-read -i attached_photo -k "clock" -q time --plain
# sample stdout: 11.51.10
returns 11.22.00
